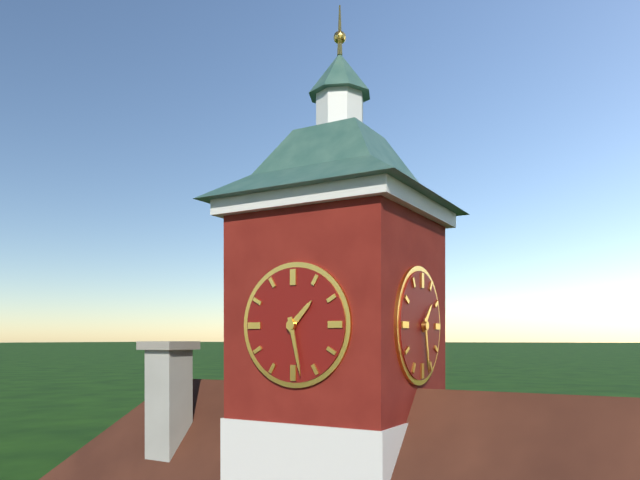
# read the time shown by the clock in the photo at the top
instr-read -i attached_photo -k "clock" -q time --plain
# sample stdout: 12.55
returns 1.28
